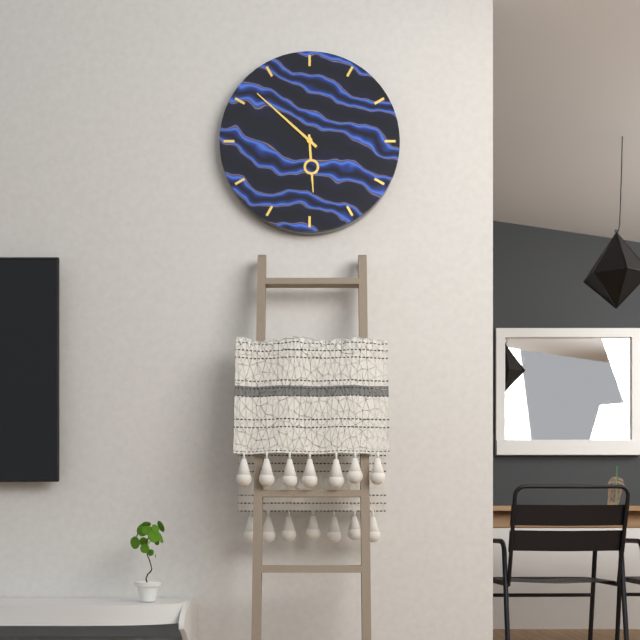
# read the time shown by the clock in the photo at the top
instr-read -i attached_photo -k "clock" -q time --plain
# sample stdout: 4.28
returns 5.52
